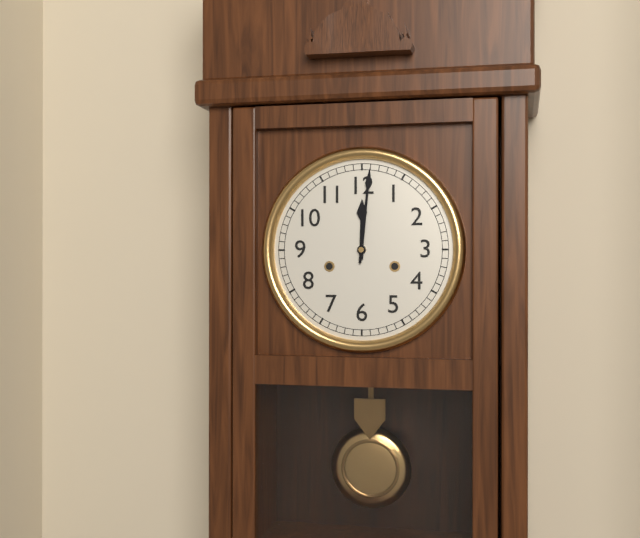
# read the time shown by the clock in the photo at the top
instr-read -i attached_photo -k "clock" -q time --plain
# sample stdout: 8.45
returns 12.01
